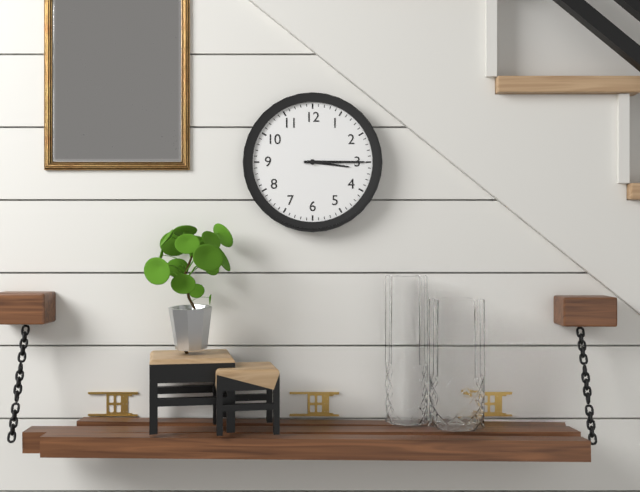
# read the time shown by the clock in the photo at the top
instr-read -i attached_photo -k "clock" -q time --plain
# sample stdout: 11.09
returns 3.15
